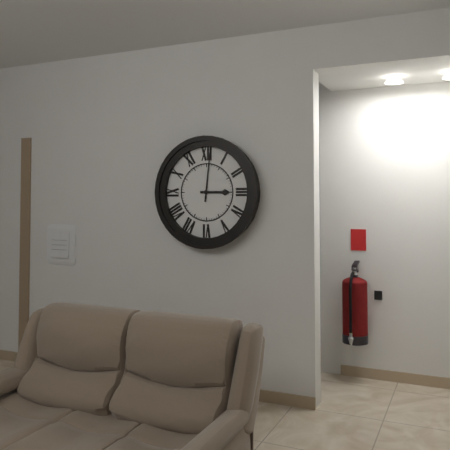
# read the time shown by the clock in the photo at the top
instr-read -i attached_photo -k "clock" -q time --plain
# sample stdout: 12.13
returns 3.01
